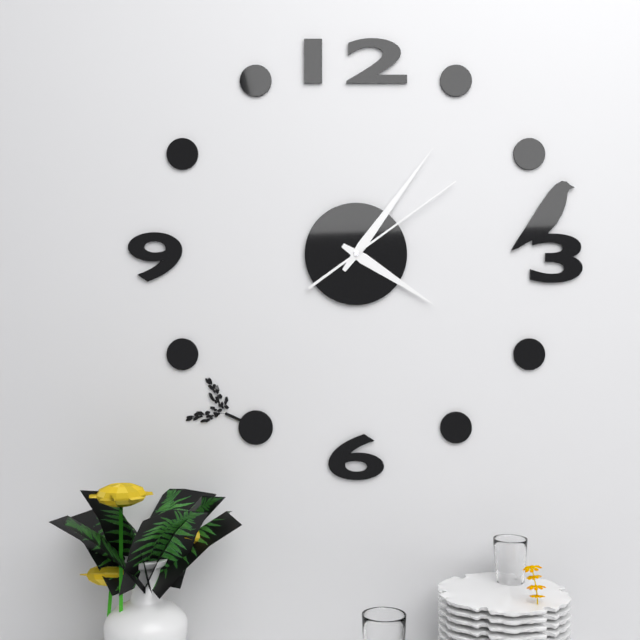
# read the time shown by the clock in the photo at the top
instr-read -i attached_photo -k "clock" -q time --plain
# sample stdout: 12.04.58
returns 4.06.09
